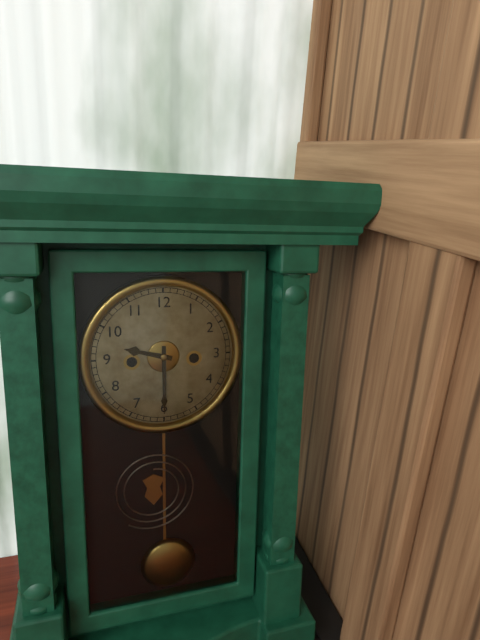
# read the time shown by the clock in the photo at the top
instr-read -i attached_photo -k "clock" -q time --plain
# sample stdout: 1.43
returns 9.30
